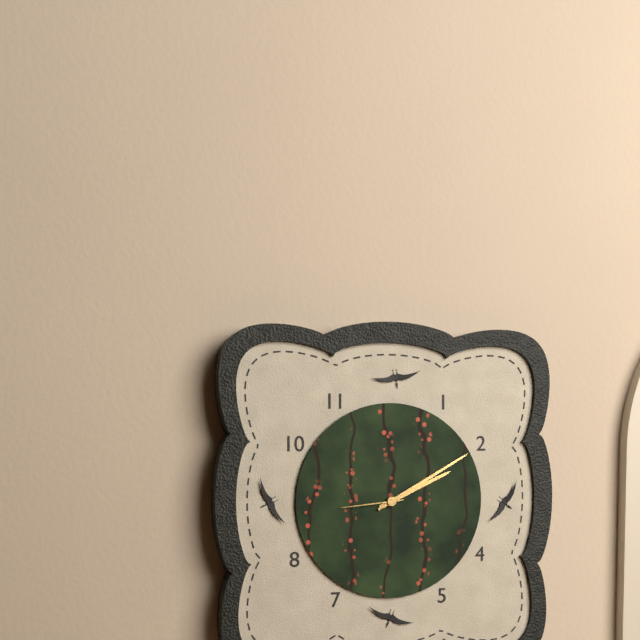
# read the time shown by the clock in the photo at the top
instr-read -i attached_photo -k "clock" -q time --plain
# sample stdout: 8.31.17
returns 2.10.44
